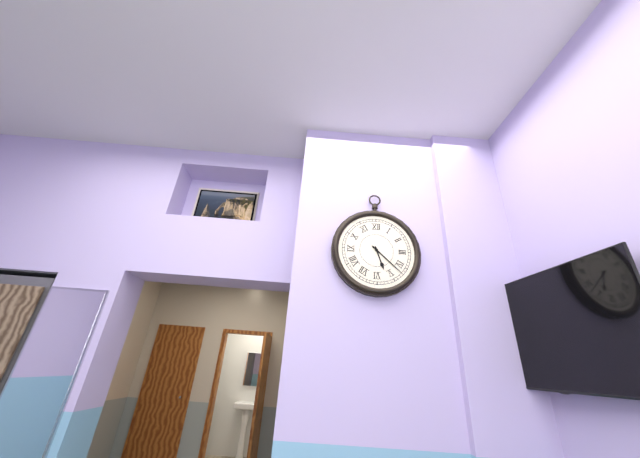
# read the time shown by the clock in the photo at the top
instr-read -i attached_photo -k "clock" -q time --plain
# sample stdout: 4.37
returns 5.22
